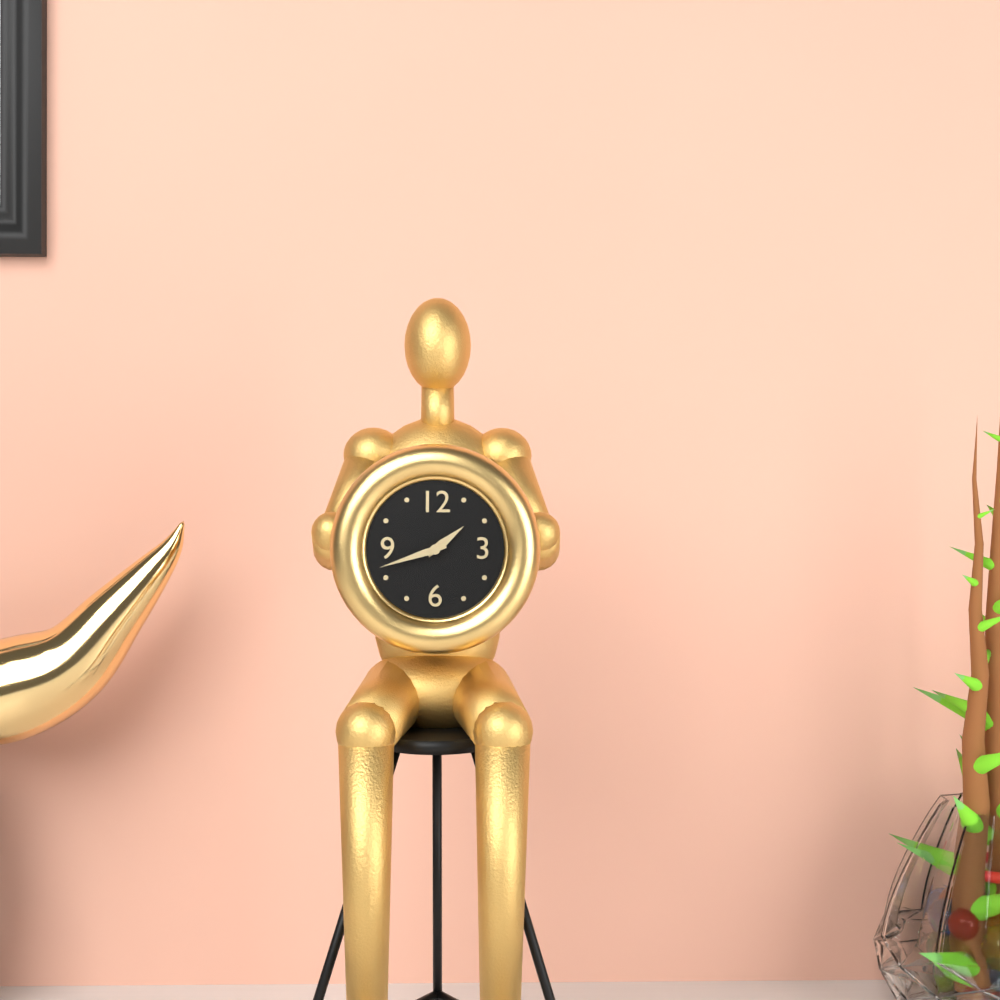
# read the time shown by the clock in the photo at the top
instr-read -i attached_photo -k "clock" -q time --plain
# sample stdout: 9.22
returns 1.42
